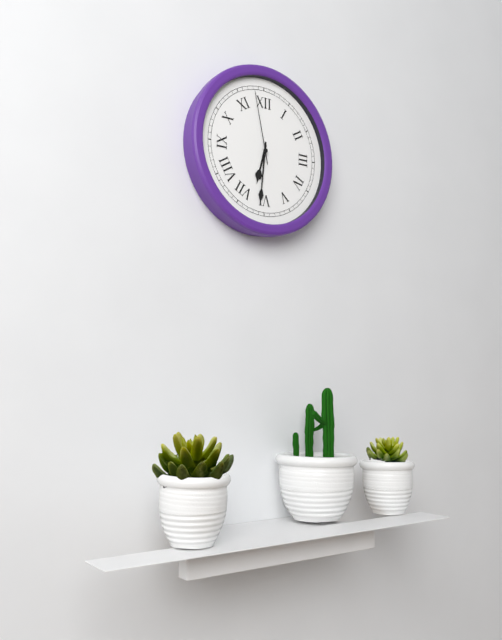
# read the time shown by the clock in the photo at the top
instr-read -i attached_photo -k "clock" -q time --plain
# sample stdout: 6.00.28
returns 6.31.58
